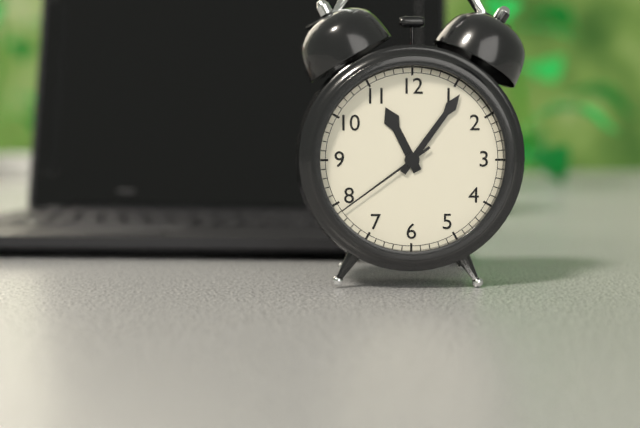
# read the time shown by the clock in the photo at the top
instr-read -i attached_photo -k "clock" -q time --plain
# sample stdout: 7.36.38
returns 11.06.39
